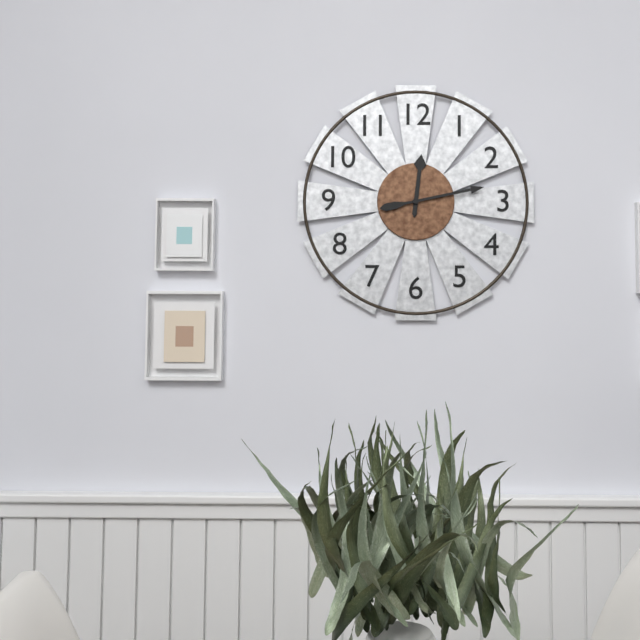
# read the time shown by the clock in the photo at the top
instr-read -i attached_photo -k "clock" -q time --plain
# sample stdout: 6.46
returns 12.13
